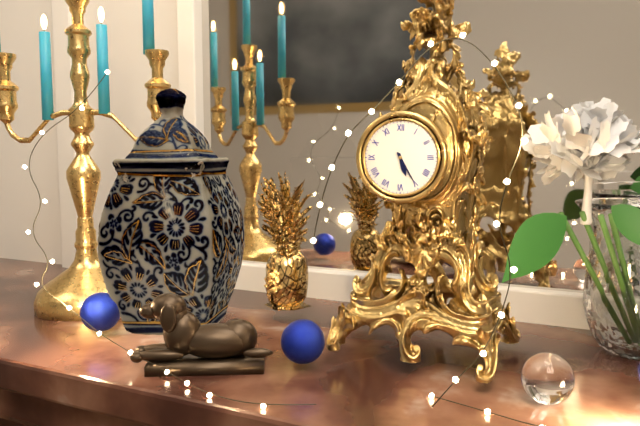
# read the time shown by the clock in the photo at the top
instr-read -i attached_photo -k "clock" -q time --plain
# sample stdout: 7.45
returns 5.25
